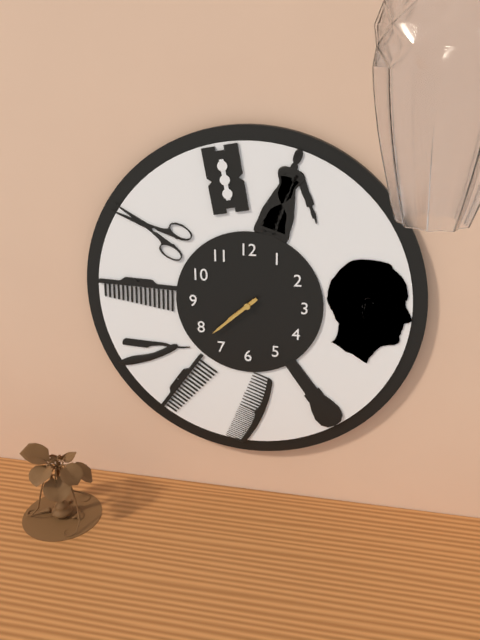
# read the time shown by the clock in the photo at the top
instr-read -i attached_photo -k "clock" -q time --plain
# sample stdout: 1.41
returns 7.38
